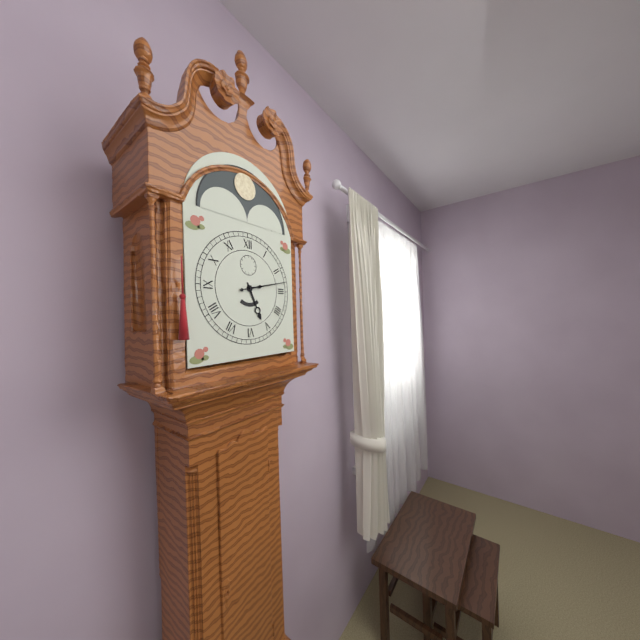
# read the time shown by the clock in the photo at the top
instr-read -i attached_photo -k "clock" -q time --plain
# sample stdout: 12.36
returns 5.13
